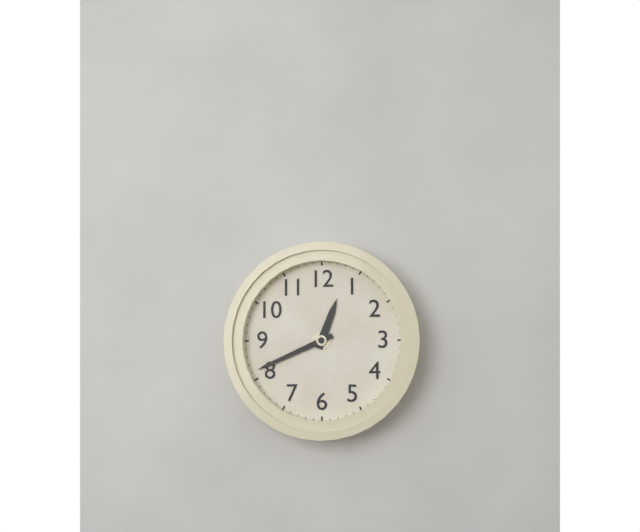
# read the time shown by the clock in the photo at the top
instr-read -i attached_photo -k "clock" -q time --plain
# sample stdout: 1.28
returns 12.41
